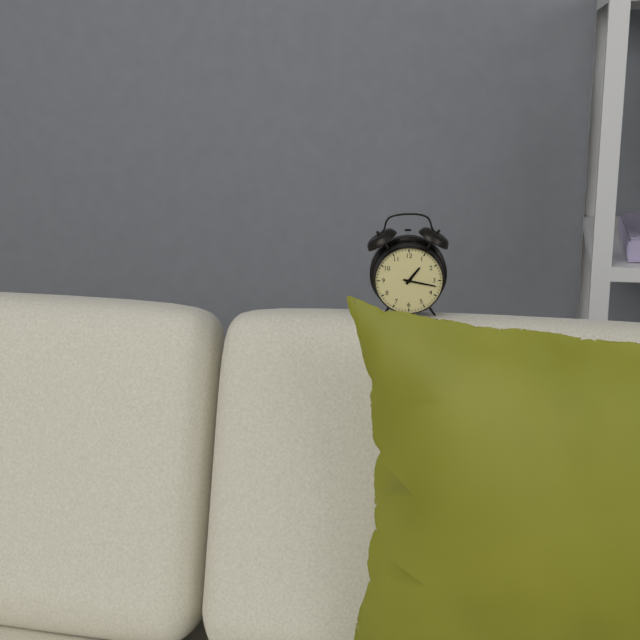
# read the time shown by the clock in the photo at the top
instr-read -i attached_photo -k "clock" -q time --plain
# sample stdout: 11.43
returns 1.17
